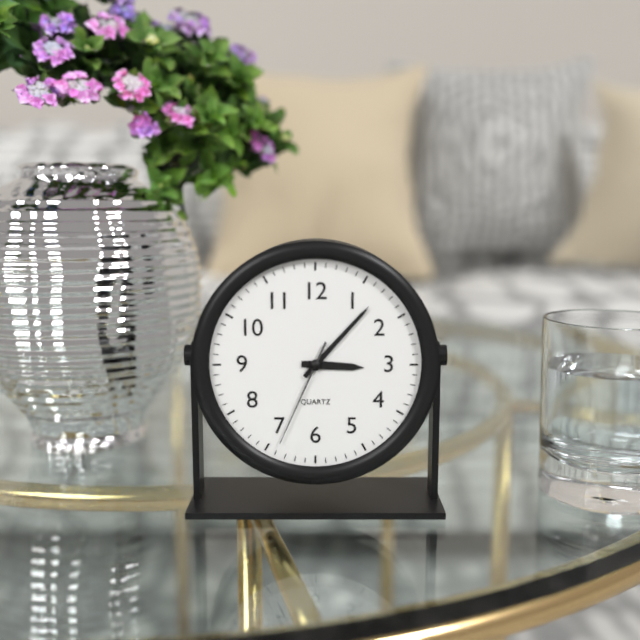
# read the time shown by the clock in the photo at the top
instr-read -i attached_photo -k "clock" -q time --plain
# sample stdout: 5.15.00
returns 3.07.34
